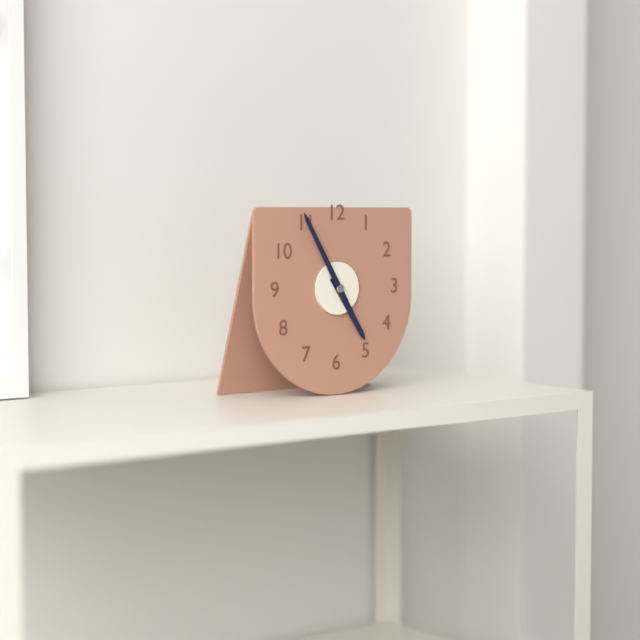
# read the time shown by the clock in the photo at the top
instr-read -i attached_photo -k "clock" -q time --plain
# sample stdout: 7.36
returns 4.55
